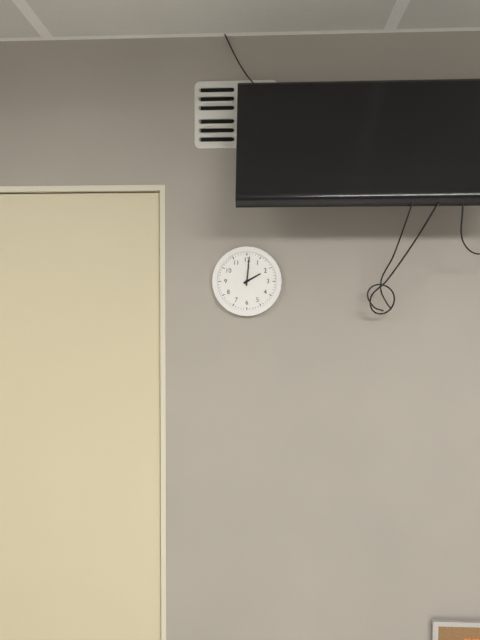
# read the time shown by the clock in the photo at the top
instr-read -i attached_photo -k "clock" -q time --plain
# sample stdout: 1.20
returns 2.01
